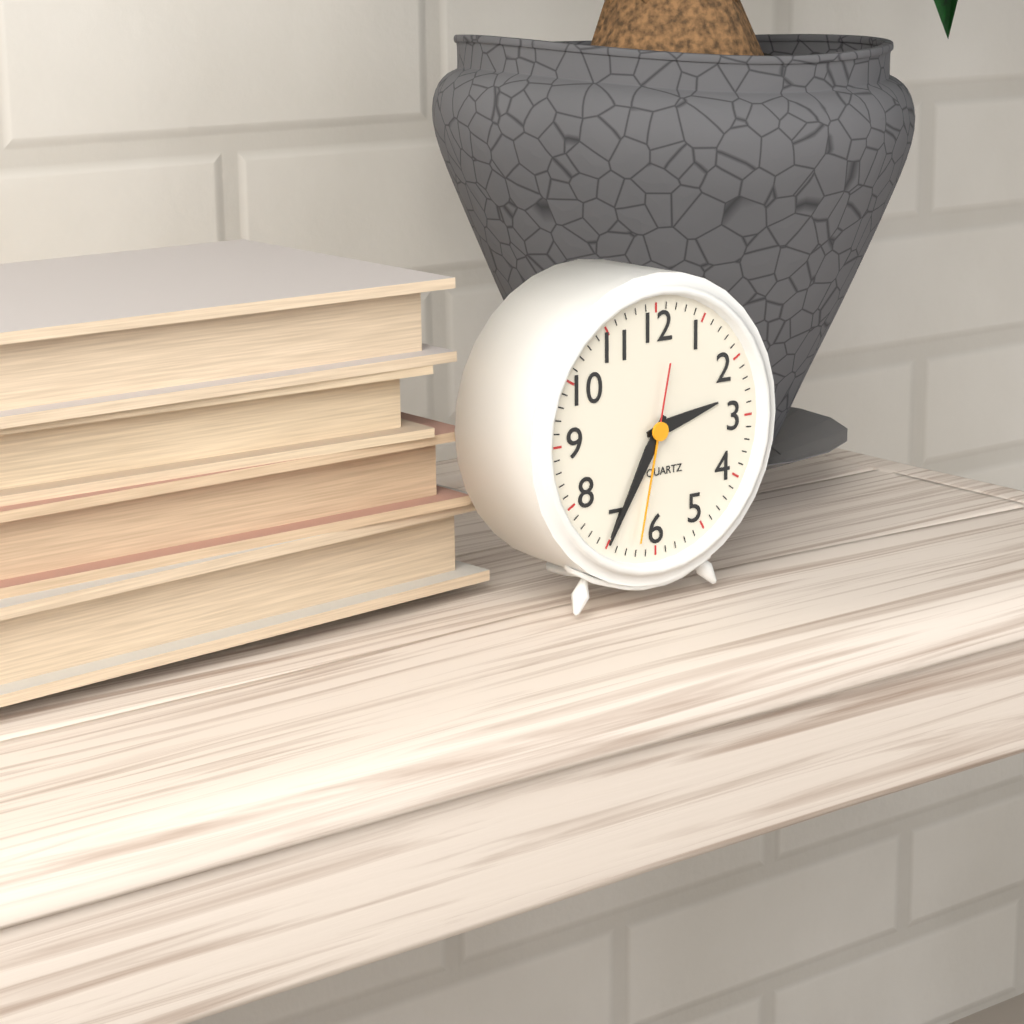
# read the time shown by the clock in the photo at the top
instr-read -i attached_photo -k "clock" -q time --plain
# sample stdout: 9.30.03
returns 2.35.32
